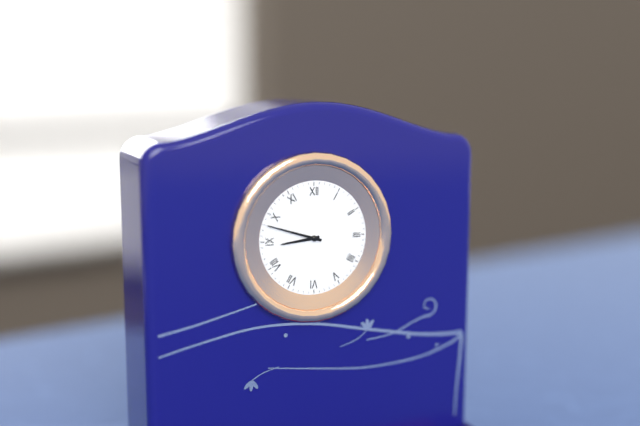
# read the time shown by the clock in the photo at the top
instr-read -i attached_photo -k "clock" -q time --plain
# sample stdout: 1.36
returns 8.48
